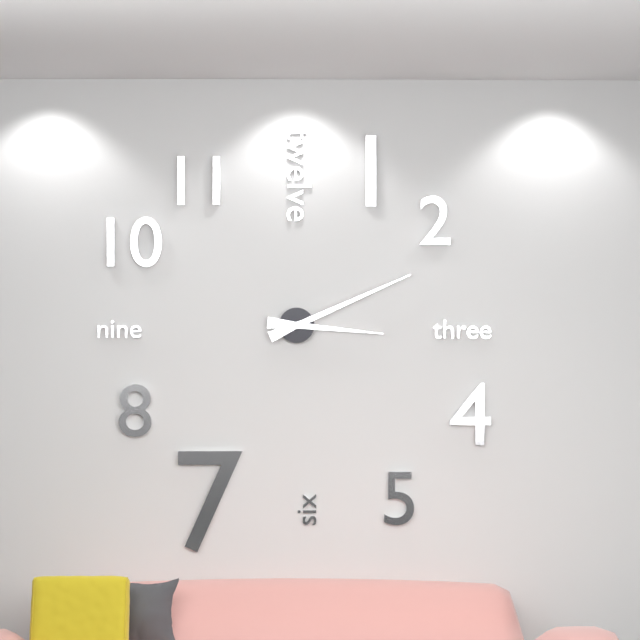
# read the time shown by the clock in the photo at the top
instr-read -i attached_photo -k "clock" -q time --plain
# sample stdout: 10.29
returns 3.11
